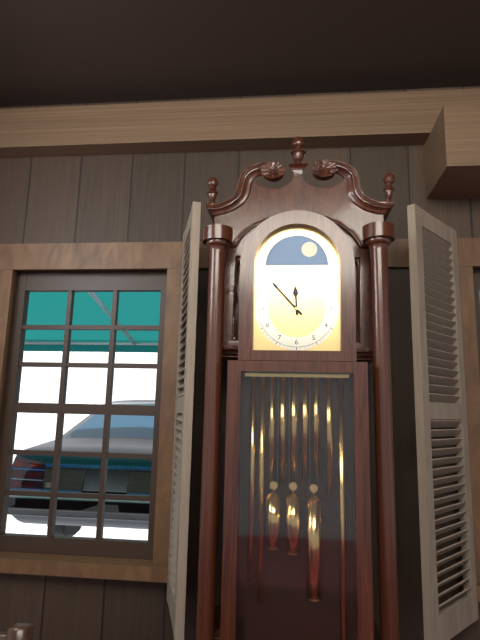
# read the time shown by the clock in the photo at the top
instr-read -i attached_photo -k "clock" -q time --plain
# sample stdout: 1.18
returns 11.53
